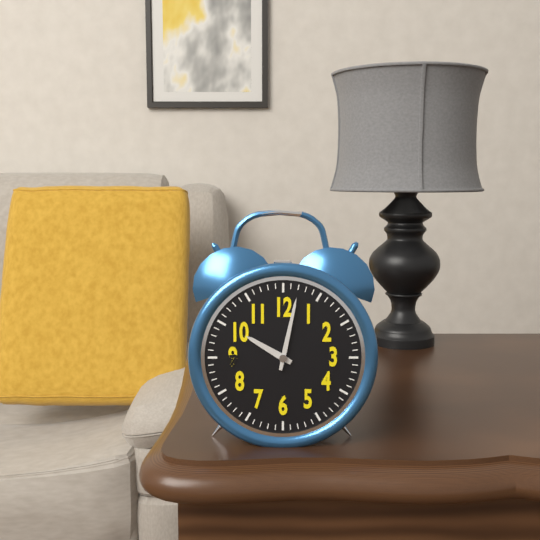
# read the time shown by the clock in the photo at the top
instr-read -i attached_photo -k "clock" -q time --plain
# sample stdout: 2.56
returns 10.02
